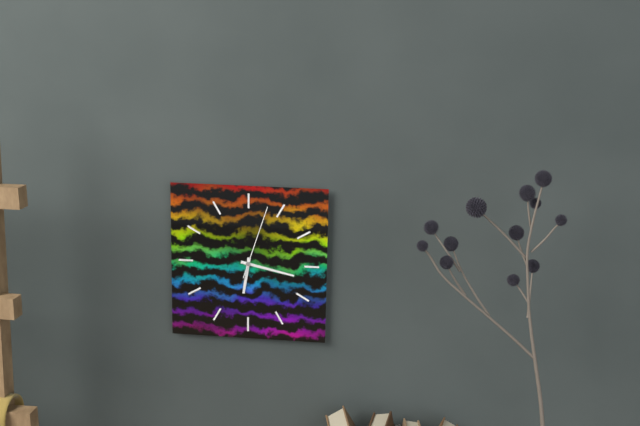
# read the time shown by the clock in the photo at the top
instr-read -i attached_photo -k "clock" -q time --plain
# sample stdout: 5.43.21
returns 6.17.03
